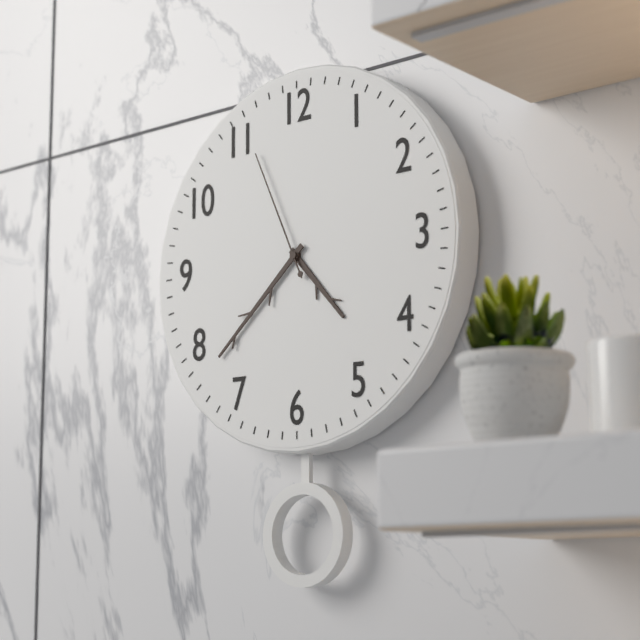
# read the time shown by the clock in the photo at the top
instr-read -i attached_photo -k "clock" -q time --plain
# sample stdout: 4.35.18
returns 4.38.56
